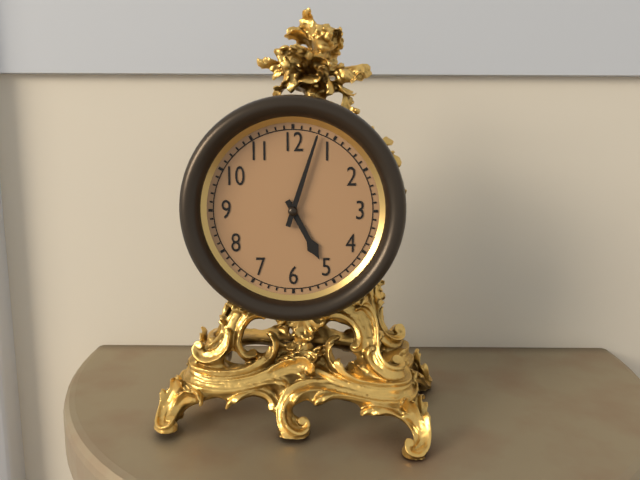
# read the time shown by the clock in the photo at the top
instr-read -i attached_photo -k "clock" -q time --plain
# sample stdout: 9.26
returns 5.03
